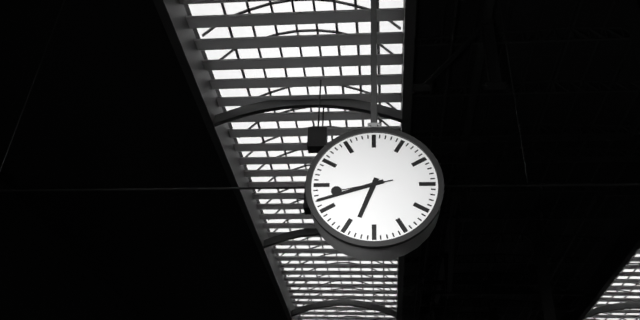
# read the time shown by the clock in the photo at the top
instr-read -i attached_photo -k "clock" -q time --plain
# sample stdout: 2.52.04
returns 6.42.43
